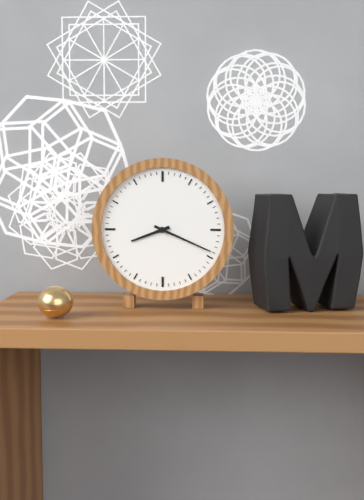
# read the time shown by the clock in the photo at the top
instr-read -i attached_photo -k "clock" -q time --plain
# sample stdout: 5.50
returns 8.19
